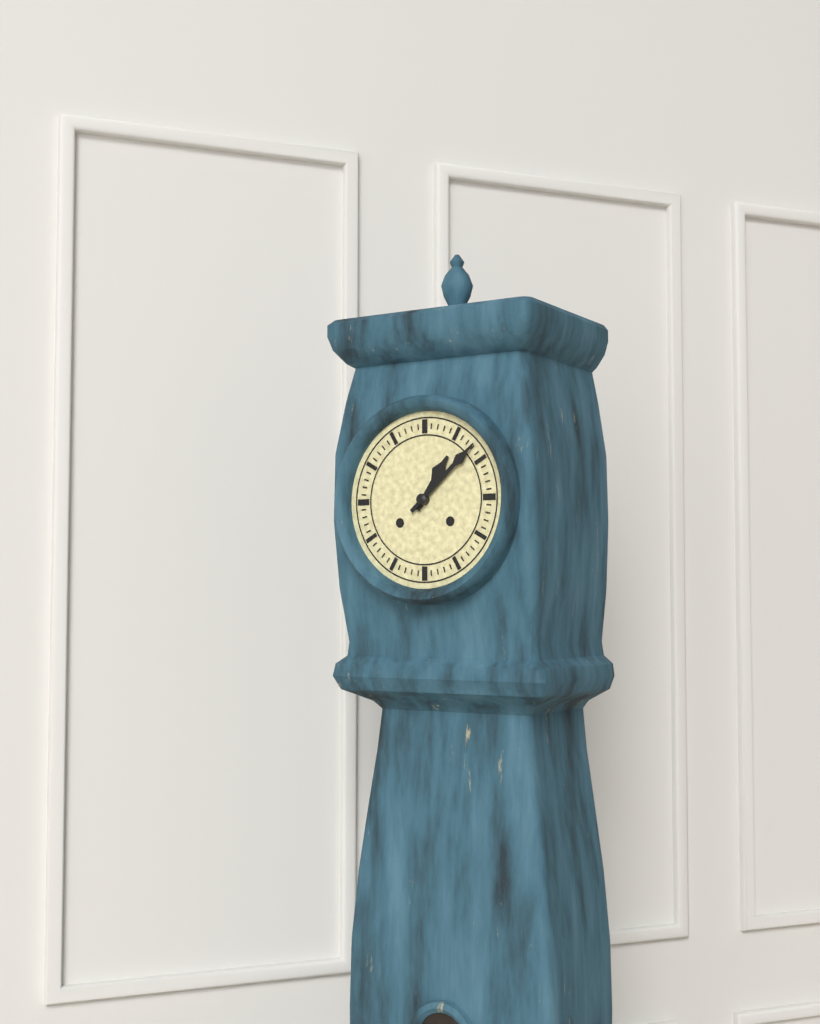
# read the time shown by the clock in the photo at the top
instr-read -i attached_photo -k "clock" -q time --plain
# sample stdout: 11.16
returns 1.08
